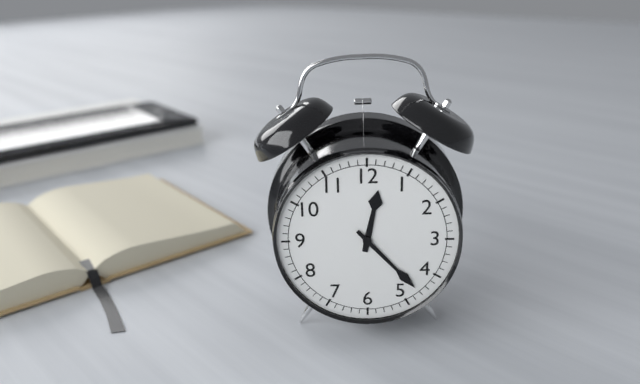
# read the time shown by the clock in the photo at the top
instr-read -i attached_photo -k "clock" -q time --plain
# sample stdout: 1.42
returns 12.23
